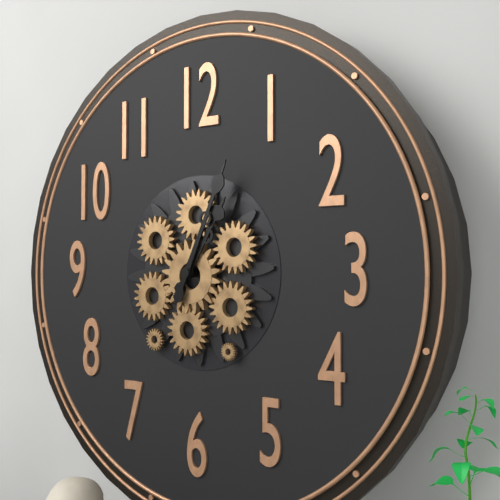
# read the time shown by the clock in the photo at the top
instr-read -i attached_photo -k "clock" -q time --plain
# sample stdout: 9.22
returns 1.04
